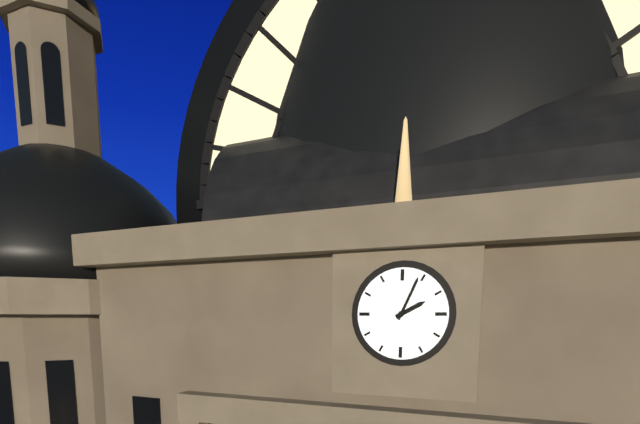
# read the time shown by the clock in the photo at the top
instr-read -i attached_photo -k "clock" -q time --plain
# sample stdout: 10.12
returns 2.04
